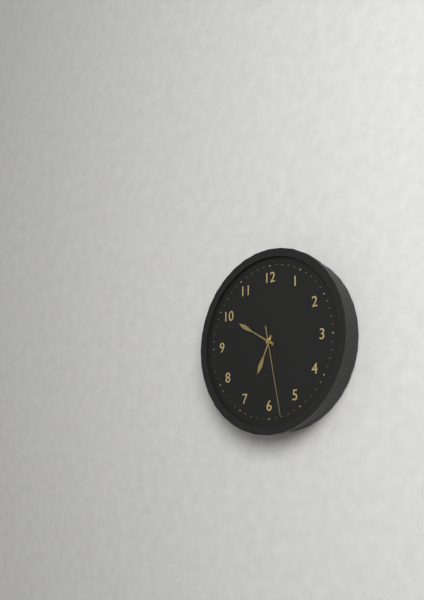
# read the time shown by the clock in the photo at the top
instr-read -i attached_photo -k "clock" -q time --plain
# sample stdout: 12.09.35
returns 6.50.28
